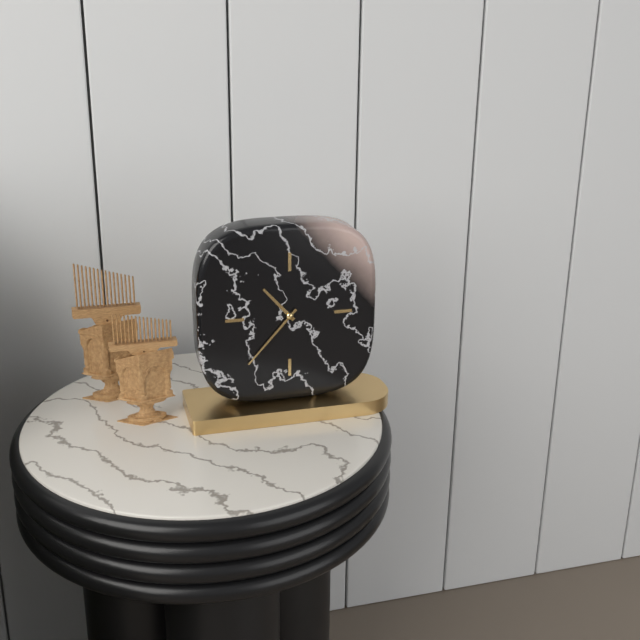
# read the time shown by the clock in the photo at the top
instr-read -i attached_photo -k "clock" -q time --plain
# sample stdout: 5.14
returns 10.37
